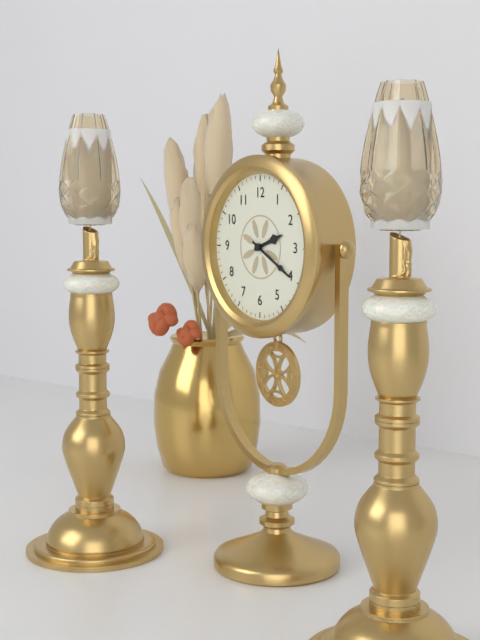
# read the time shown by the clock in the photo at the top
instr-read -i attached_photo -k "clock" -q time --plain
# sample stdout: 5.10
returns 2.20
